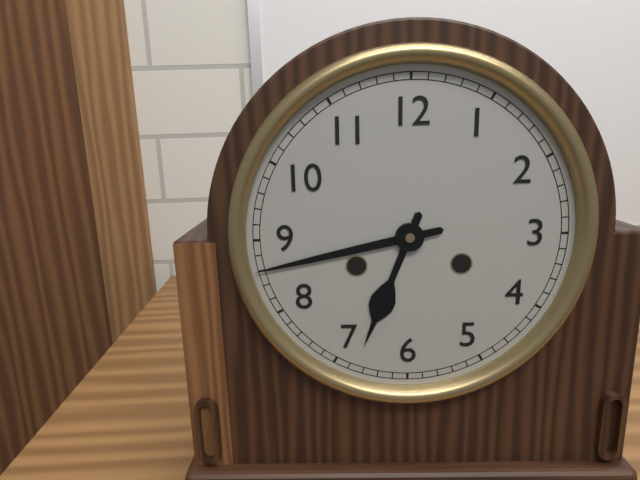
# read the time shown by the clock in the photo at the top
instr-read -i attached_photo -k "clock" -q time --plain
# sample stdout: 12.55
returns 6.43
